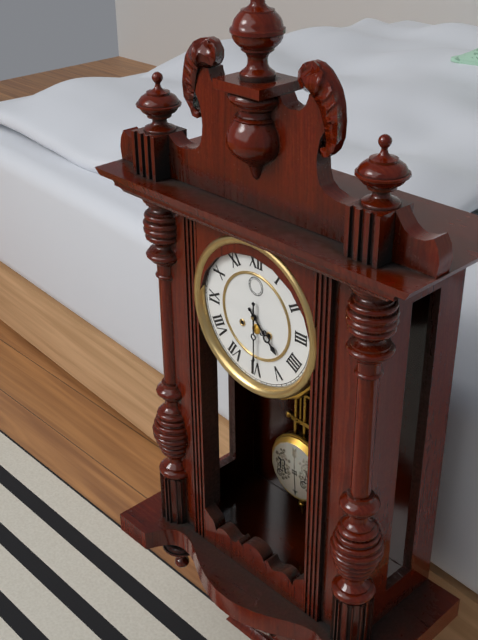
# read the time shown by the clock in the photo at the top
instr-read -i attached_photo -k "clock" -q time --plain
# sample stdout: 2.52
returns 4.30
